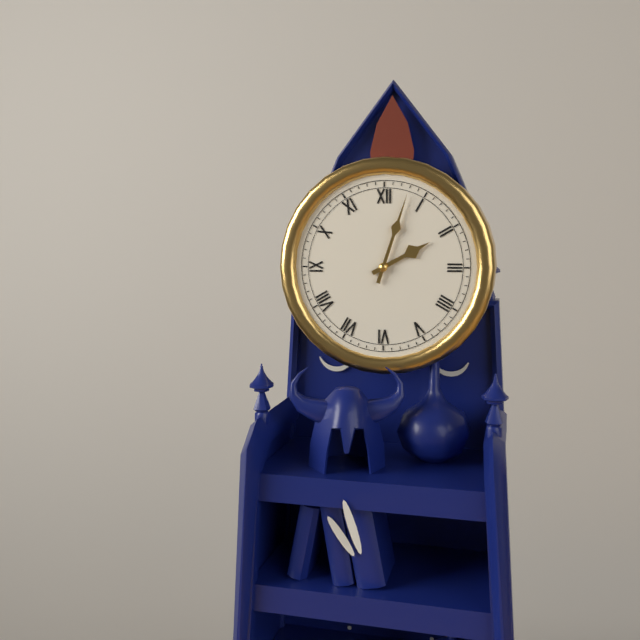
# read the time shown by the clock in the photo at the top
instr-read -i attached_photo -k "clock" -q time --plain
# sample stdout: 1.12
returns 2.03
